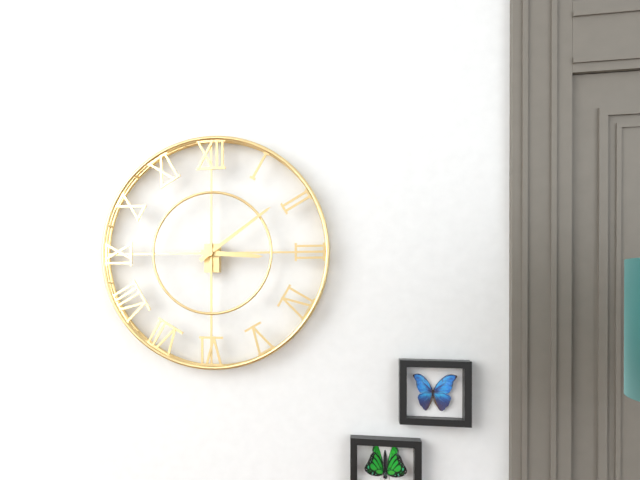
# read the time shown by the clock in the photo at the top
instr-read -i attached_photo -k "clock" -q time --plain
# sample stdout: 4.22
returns 3.09
